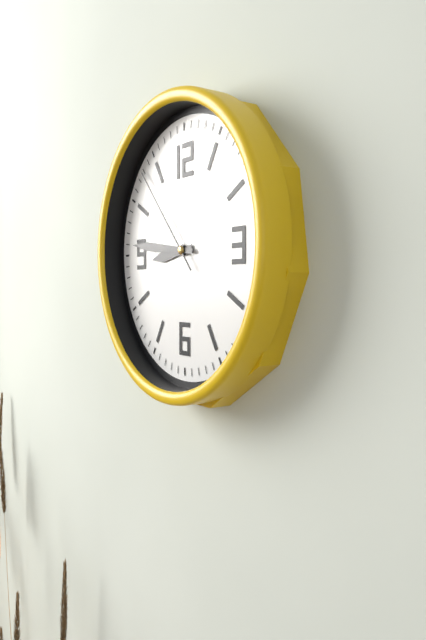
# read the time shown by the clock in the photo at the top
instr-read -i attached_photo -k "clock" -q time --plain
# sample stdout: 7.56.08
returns 8.46.53
